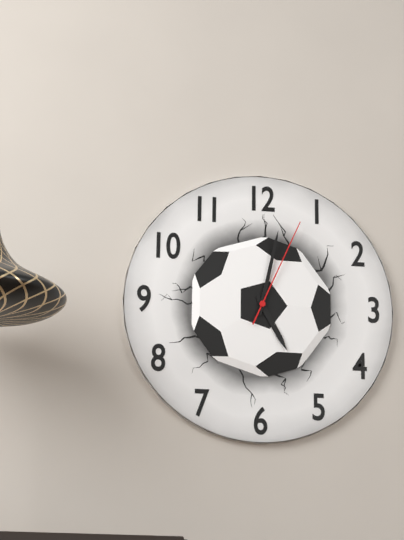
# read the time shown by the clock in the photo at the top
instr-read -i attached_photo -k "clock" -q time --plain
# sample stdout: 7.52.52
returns 5.02.04
